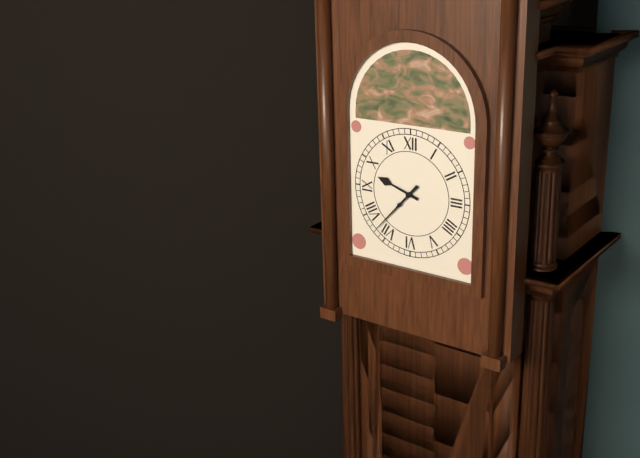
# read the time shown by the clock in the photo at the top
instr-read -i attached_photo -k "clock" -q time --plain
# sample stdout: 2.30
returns 9.37
